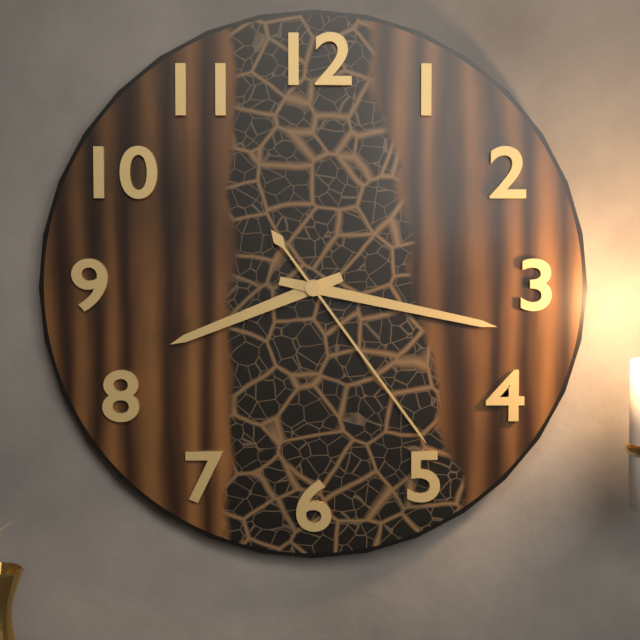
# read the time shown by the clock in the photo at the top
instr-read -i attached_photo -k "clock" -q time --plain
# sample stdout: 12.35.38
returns 8.17.24
